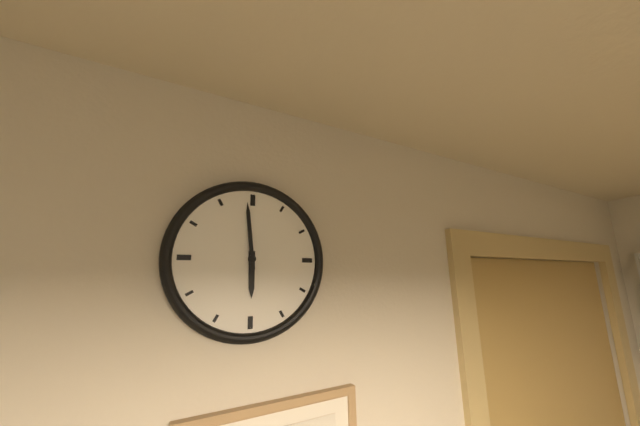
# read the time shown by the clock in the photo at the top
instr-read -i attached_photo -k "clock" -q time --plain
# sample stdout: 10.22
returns 5.59
